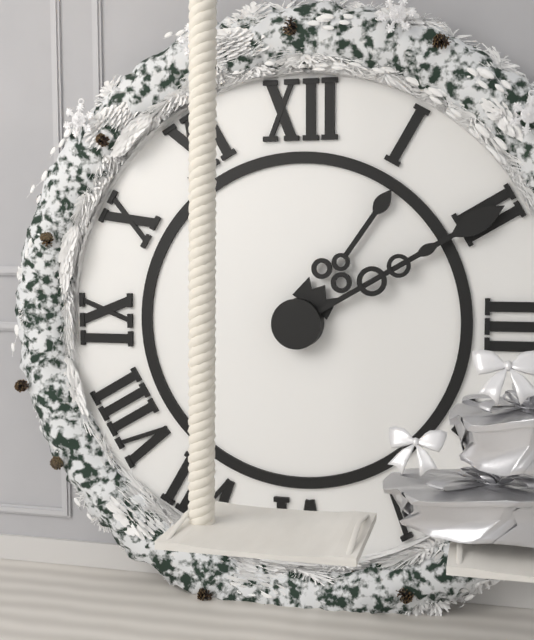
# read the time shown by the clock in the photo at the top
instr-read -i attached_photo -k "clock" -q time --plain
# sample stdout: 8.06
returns 1.10
